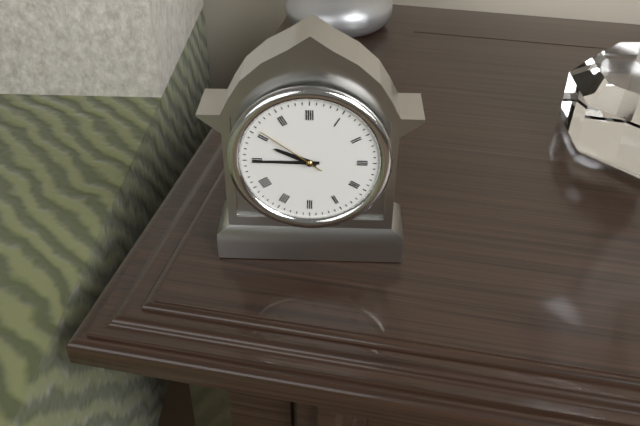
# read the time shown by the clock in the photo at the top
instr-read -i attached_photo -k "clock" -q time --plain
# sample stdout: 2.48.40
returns 9.45.51
